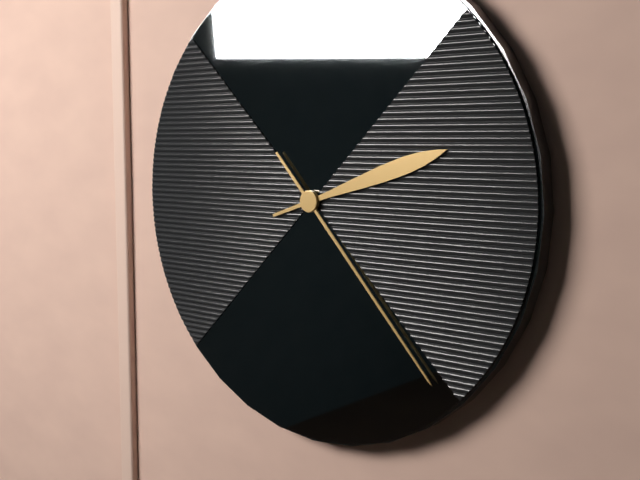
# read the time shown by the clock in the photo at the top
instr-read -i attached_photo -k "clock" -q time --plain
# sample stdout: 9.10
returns 2.23
